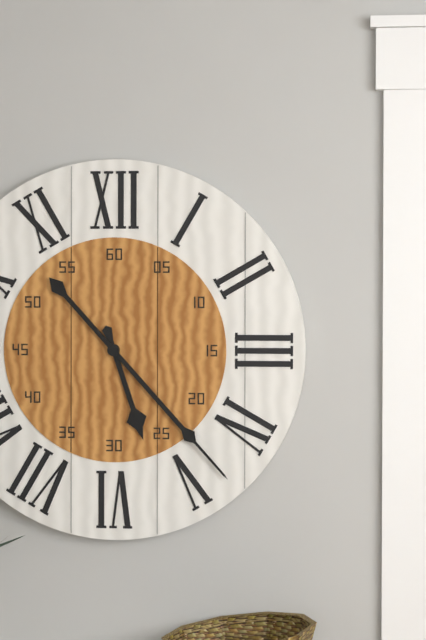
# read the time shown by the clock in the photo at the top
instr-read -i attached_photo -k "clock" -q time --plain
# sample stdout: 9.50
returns 5.23
